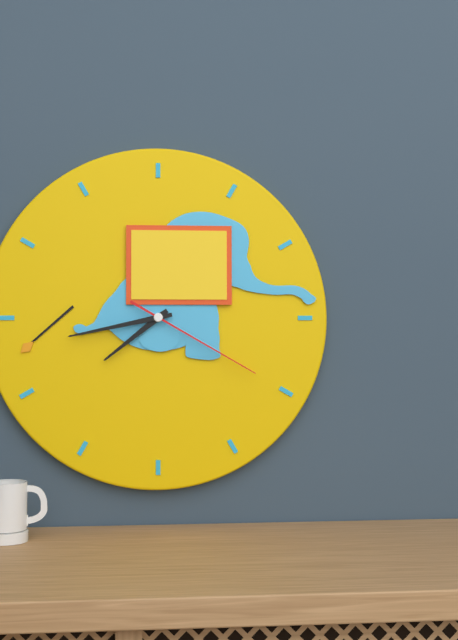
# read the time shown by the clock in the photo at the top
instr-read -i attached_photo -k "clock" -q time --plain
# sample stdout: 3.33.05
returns 7.43.20
